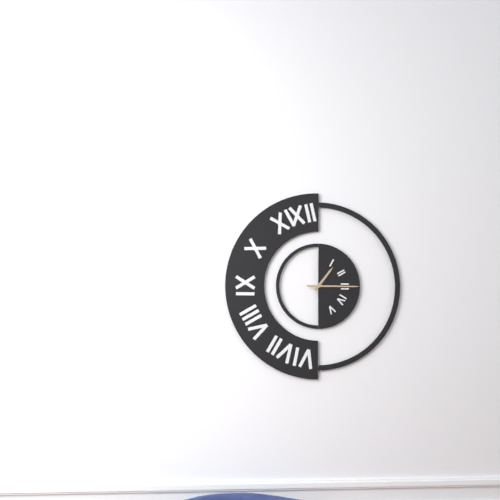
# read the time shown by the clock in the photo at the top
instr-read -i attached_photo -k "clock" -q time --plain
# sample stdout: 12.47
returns 1.15
